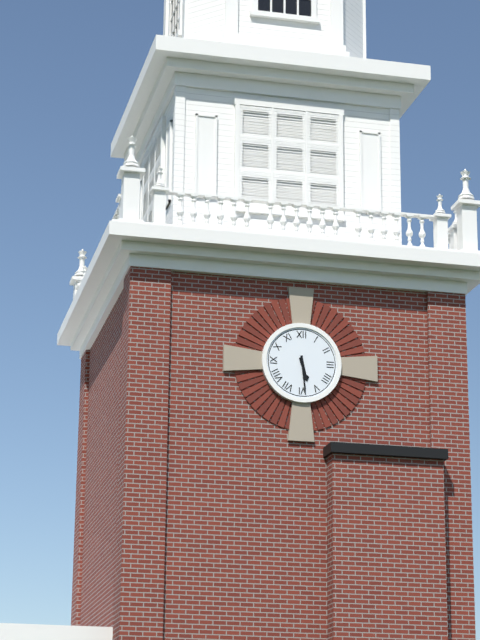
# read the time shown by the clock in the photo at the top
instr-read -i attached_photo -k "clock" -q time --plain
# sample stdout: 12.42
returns 5.29
